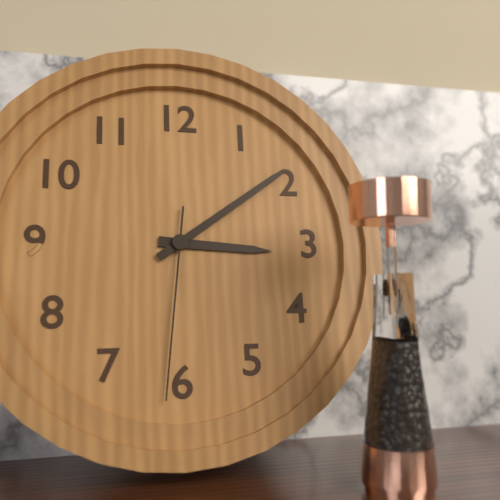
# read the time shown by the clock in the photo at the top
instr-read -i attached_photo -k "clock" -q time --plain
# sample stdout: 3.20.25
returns 3.09.31
